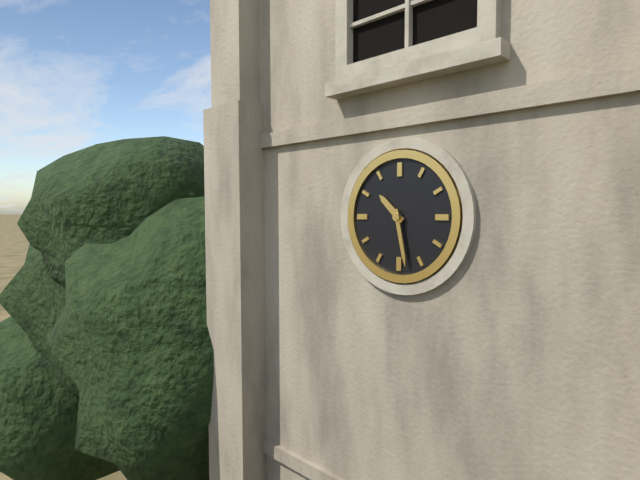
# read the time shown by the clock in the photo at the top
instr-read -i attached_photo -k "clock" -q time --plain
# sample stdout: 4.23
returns 10.28
